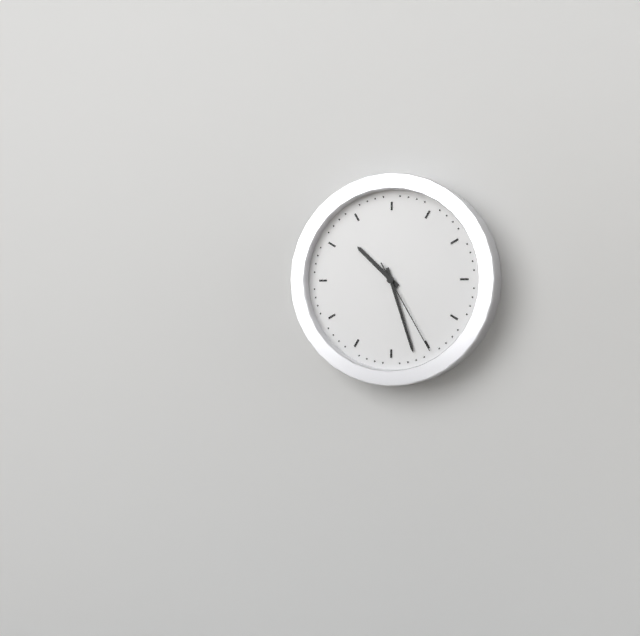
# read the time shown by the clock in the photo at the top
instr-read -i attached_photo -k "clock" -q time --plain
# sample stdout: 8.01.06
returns 10.27.25
